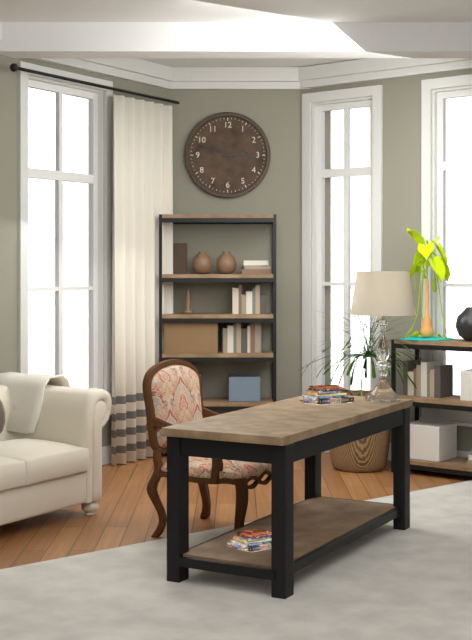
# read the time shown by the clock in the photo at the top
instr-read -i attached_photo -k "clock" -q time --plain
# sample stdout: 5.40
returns 2.48
